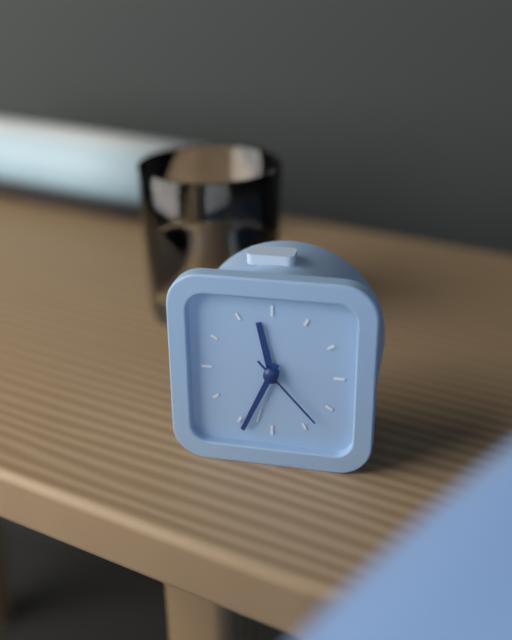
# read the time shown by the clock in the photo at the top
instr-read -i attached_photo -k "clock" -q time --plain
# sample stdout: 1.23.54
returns 11.34.23
